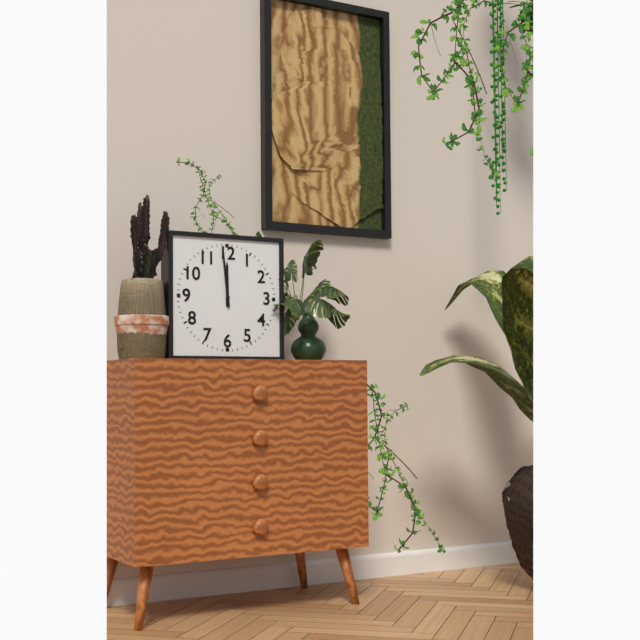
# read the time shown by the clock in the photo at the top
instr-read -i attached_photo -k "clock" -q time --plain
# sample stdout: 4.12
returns 11.59
